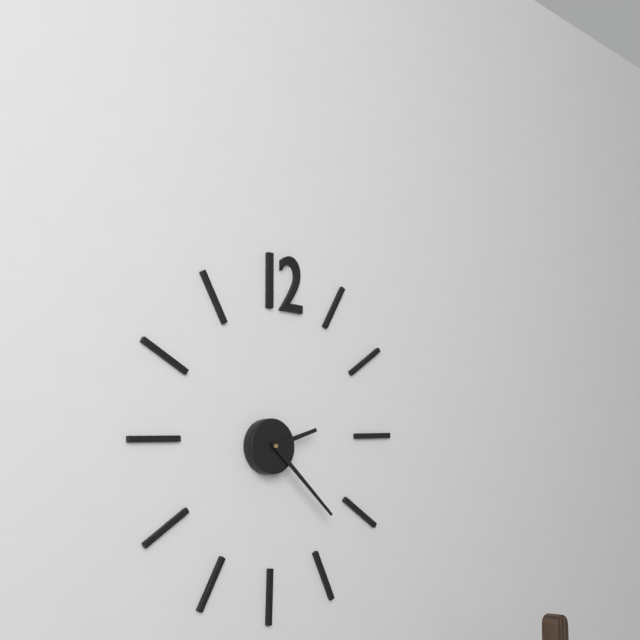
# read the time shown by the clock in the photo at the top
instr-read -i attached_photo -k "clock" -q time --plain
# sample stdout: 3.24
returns 2.22
